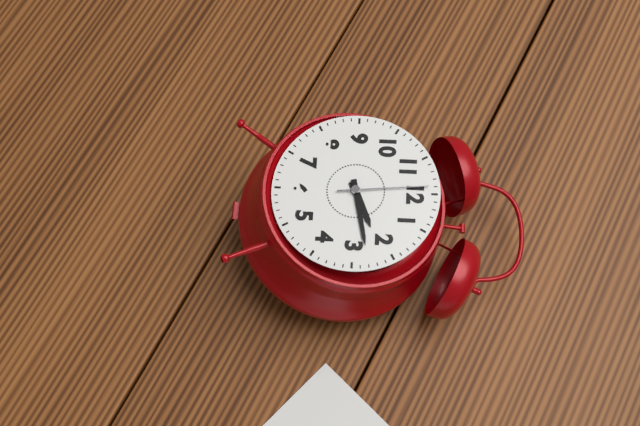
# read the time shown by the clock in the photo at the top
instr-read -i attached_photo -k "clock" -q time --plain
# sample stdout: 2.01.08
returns 2.13.59
